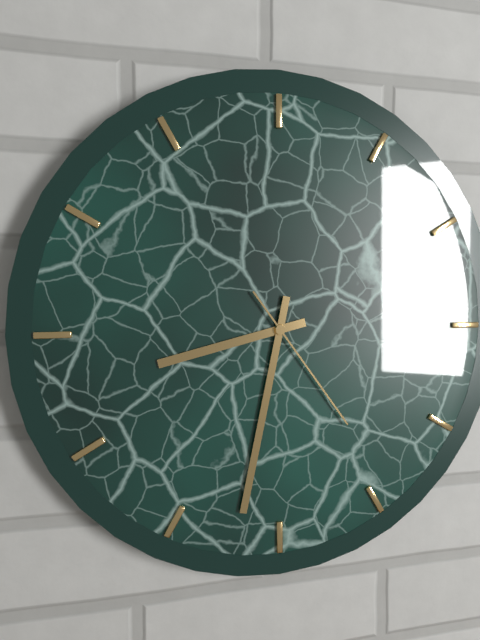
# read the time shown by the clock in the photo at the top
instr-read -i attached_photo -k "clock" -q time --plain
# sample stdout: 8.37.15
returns 8.32.24
